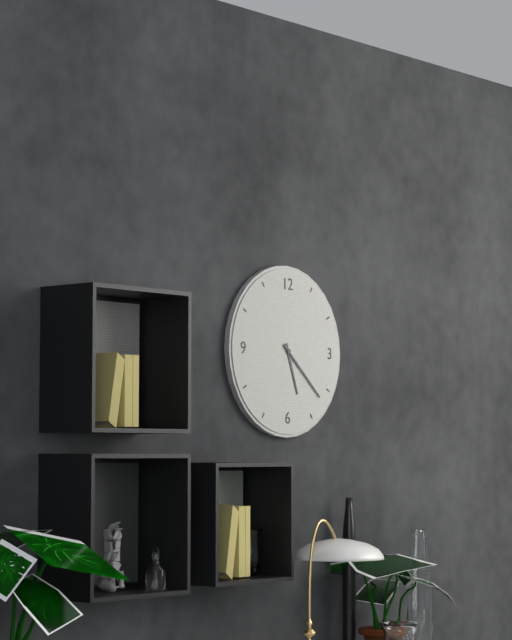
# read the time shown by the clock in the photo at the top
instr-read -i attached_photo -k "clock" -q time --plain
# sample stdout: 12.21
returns 5.22
